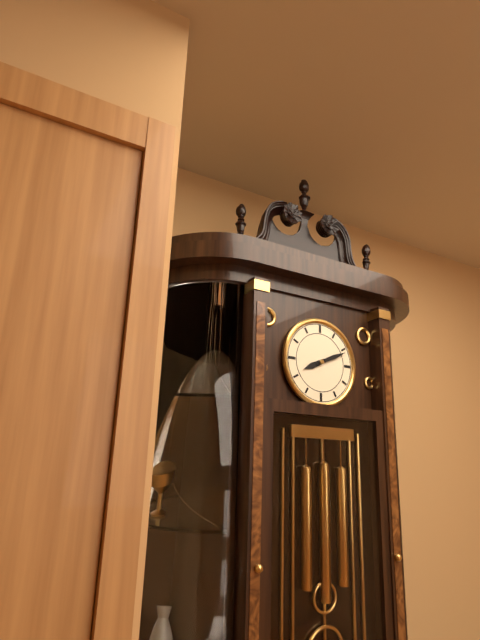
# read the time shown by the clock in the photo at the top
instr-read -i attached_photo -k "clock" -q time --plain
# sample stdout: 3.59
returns 8.11
